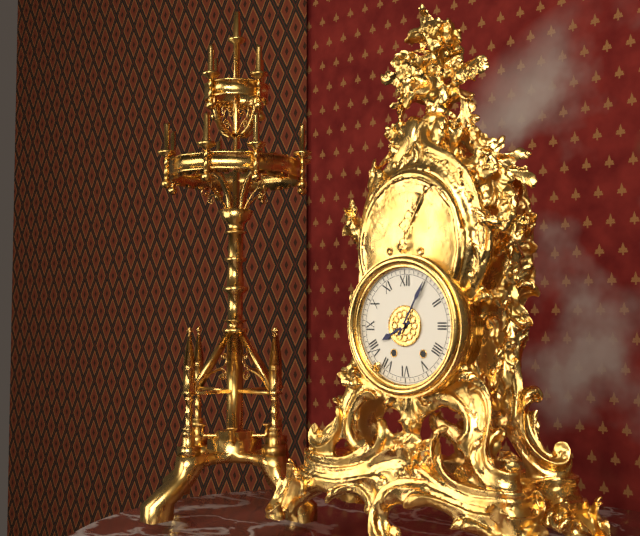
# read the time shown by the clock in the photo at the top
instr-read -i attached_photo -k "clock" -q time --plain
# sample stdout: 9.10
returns 8.05
